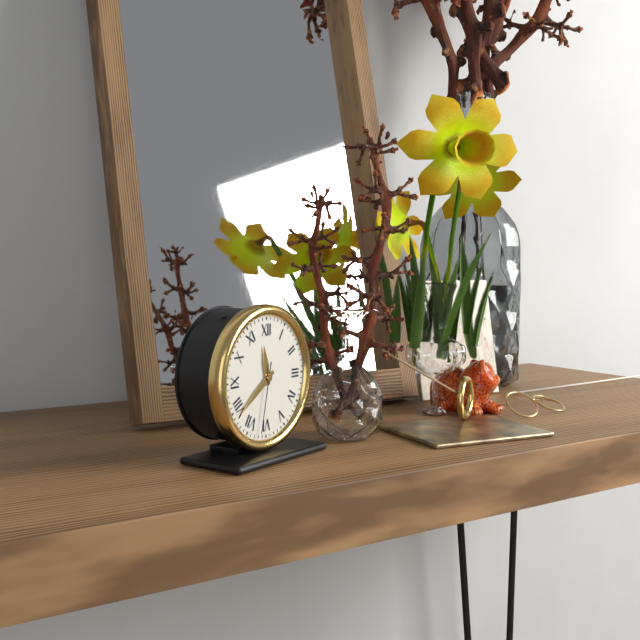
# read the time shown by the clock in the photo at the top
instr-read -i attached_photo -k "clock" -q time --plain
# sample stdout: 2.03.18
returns 11.39.32
